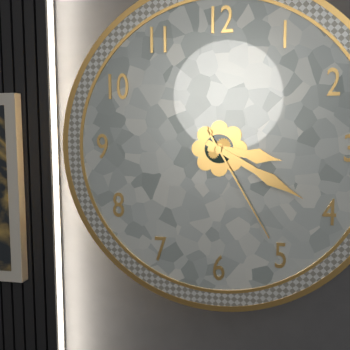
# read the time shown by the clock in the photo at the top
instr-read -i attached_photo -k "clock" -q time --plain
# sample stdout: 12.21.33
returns 3.20.25
